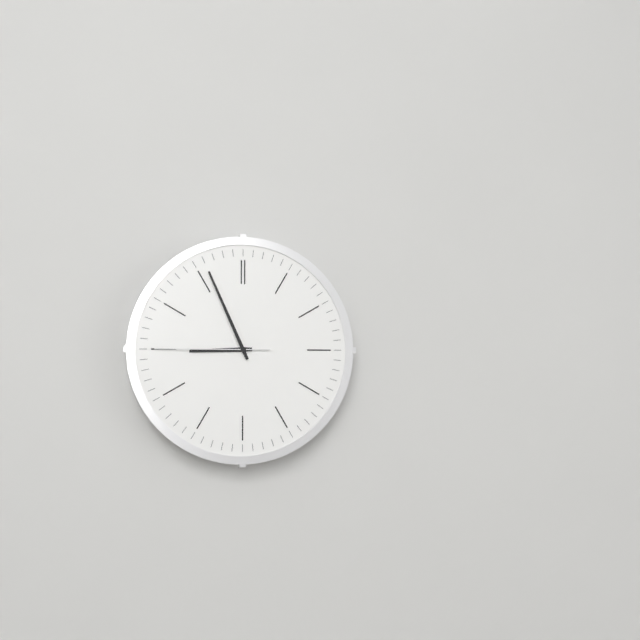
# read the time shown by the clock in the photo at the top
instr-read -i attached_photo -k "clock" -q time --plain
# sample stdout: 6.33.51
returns 8.56.45
